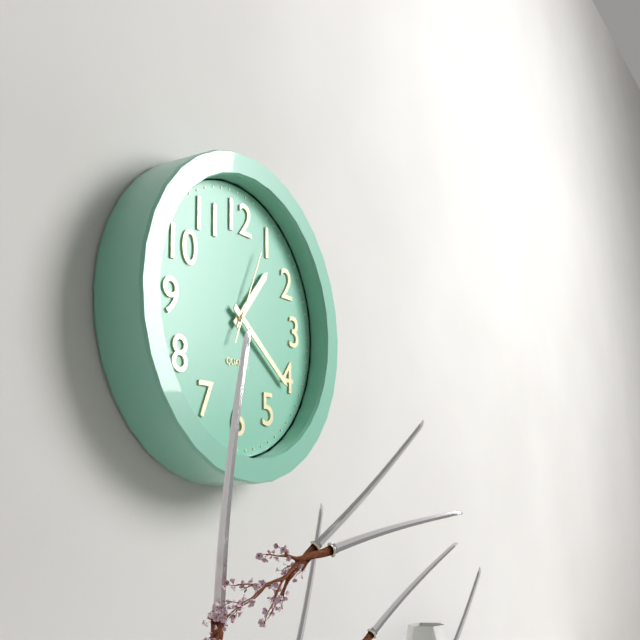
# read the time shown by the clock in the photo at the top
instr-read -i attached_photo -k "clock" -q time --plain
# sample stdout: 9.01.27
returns 1.21.04
